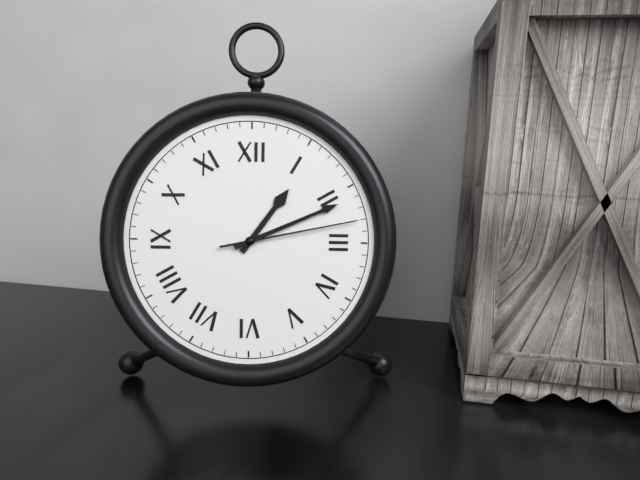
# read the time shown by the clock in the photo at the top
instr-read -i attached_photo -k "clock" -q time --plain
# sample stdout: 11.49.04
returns 1.11.13
